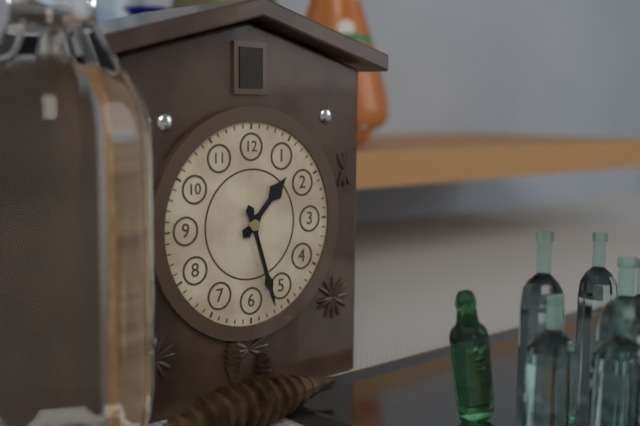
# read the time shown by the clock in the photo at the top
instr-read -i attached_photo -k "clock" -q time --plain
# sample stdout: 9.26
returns 1.27
